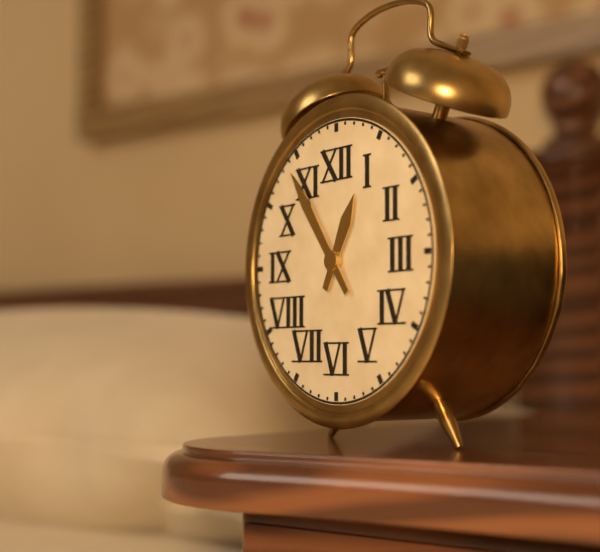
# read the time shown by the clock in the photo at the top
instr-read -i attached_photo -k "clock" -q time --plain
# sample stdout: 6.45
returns 12.54
